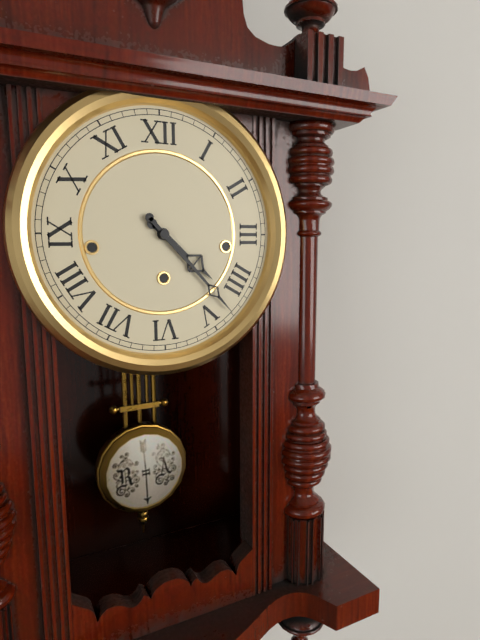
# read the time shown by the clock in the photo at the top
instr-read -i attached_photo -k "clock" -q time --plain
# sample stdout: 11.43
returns 4.23
